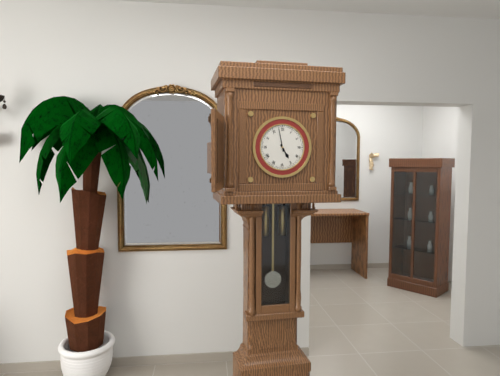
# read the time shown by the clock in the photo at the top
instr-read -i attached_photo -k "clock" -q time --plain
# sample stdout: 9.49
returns 4.58
